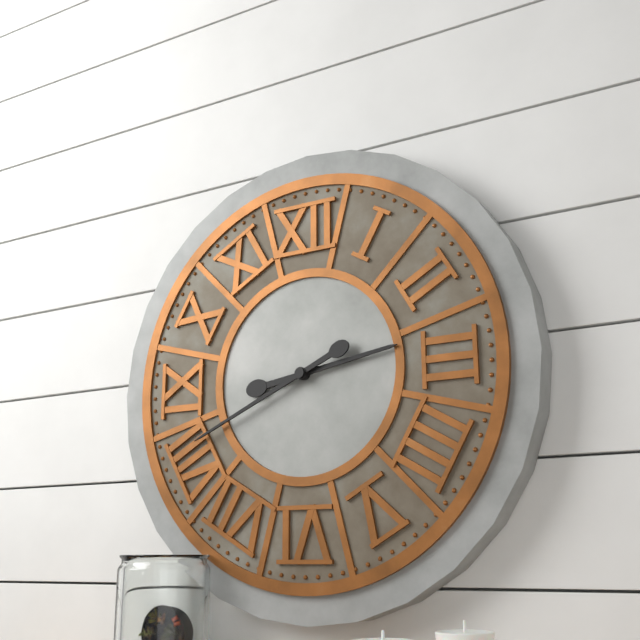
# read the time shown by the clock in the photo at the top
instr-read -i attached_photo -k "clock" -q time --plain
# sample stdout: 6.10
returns 2.41
